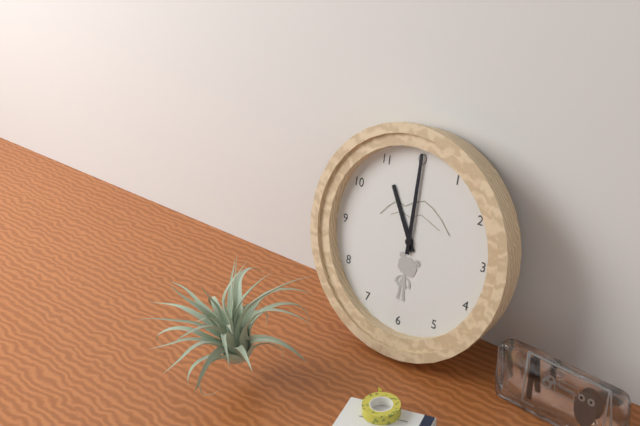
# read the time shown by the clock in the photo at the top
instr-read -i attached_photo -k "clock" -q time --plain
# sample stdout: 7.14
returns 11.00
